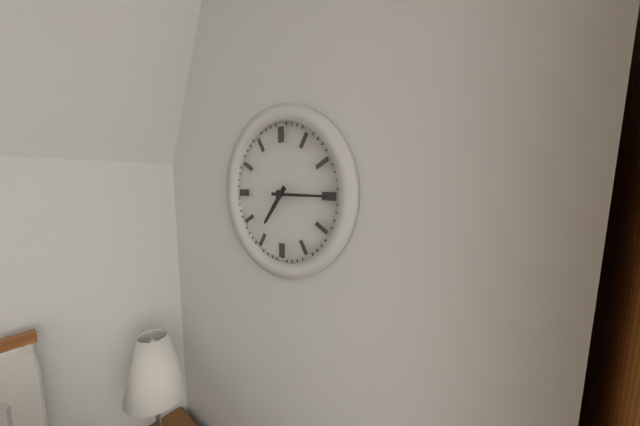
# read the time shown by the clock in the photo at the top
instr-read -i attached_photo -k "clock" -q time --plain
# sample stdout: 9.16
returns 7.15
